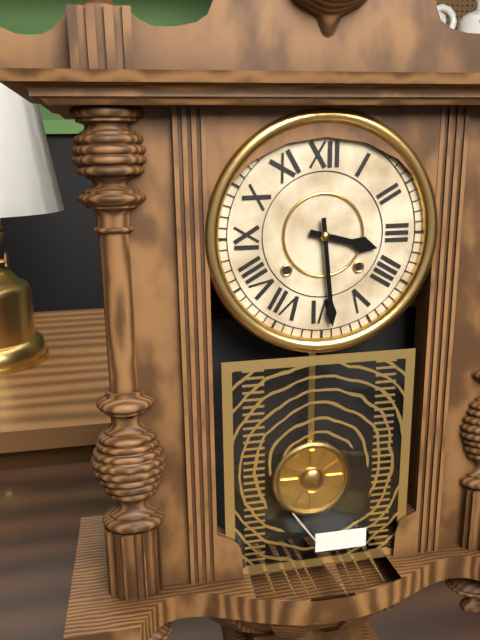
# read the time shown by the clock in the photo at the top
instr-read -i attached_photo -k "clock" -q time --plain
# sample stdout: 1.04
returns 3.29
